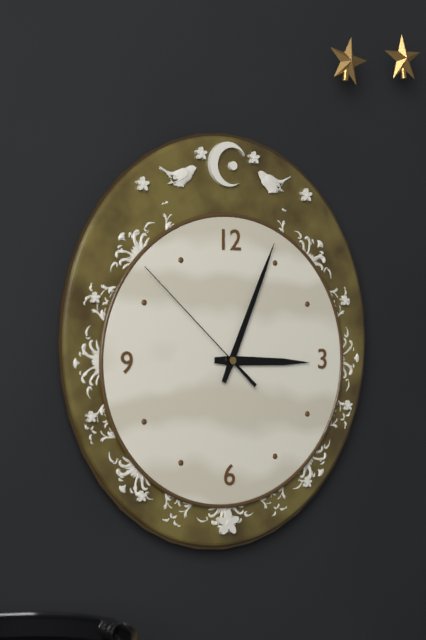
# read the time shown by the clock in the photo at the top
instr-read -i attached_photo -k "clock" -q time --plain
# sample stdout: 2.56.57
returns 3.04.52
